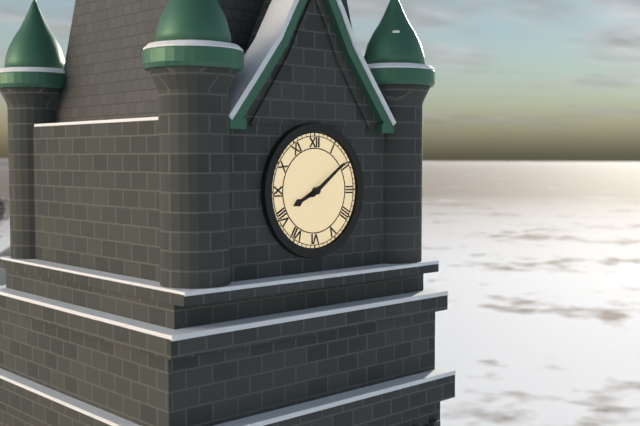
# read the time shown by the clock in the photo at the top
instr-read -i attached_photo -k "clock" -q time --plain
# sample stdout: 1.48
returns 8.09
